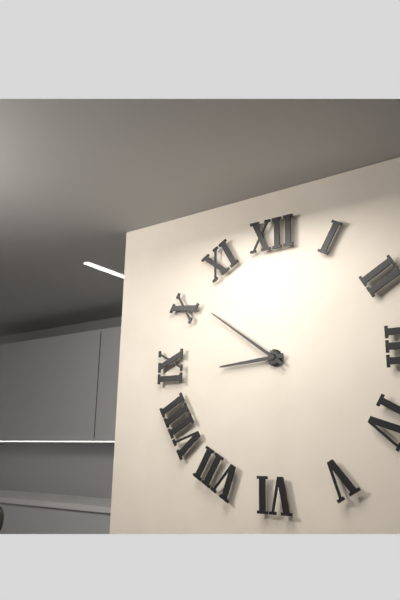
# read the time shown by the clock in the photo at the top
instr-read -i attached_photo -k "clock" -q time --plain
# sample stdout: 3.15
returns 8.51
